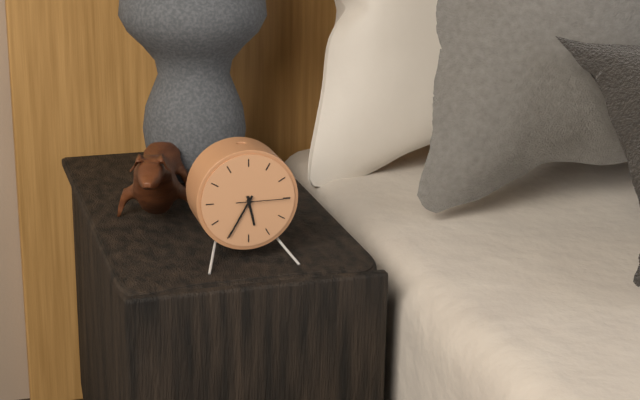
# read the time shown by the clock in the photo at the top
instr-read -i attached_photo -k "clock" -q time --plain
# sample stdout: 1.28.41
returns 5.35.15
